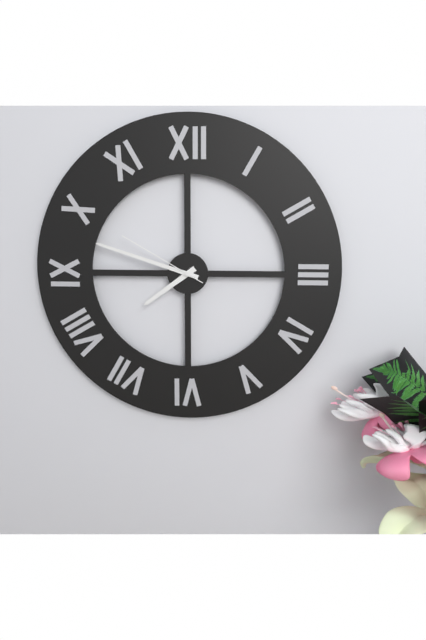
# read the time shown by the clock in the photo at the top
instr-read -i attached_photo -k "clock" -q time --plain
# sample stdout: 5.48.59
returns 7.48.50
